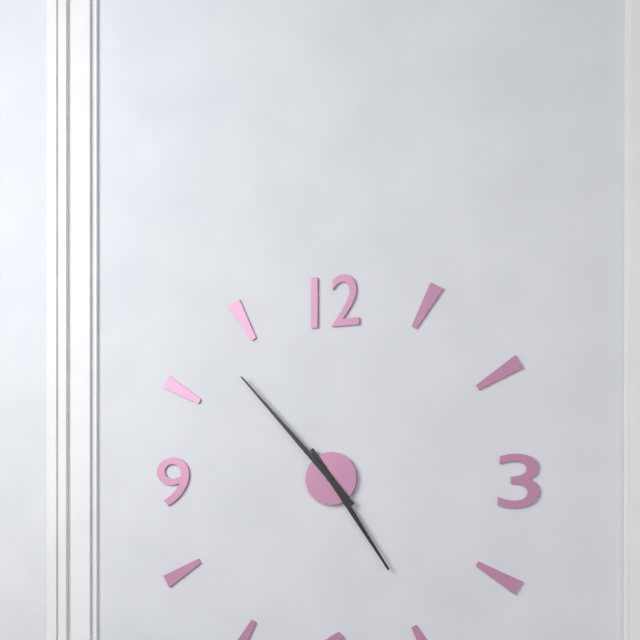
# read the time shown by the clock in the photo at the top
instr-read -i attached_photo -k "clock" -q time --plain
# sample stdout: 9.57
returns 4.53
